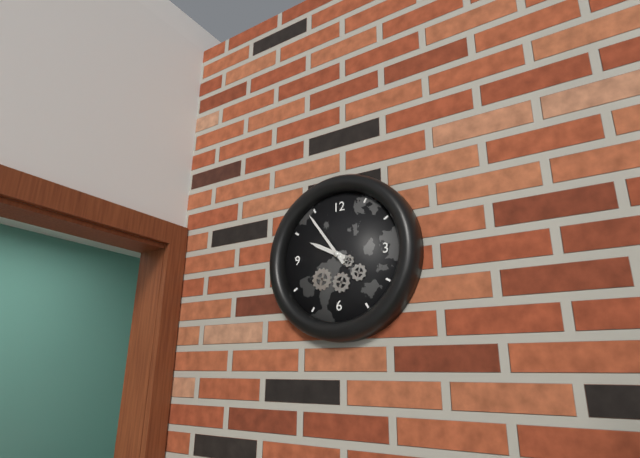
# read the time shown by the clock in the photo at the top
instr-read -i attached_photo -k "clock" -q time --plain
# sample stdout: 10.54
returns 9.54
